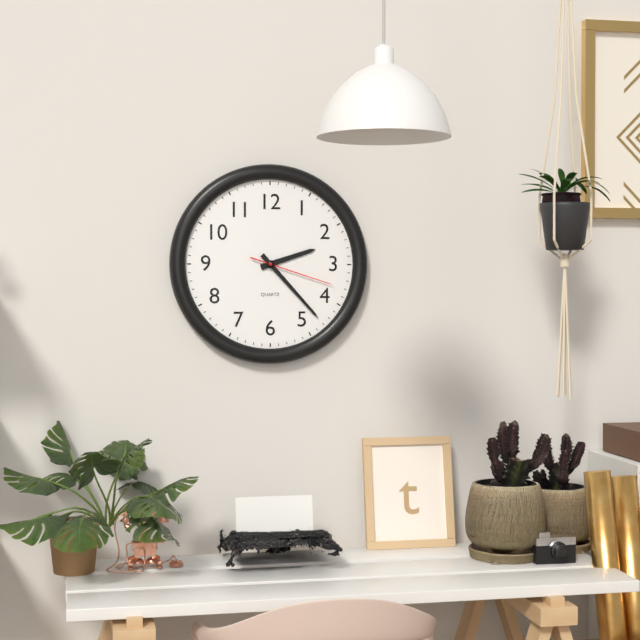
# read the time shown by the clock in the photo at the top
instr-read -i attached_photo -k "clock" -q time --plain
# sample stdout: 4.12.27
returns 2.23.18
